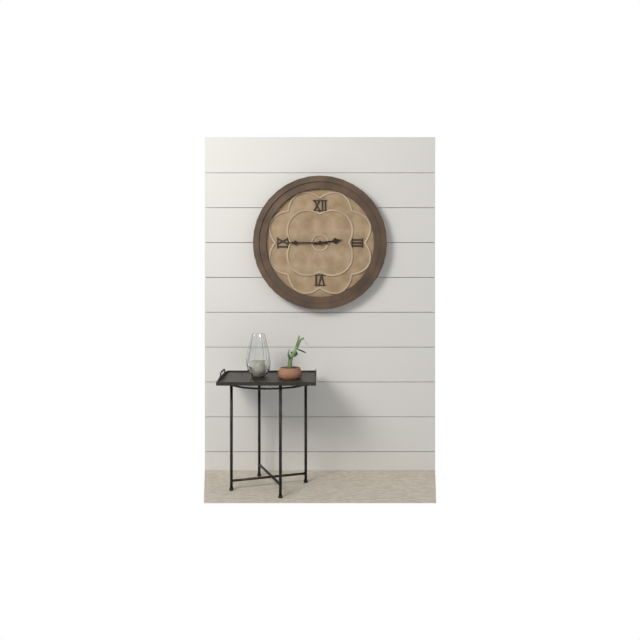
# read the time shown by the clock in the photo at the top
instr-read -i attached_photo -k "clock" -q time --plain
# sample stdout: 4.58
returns 2.45
